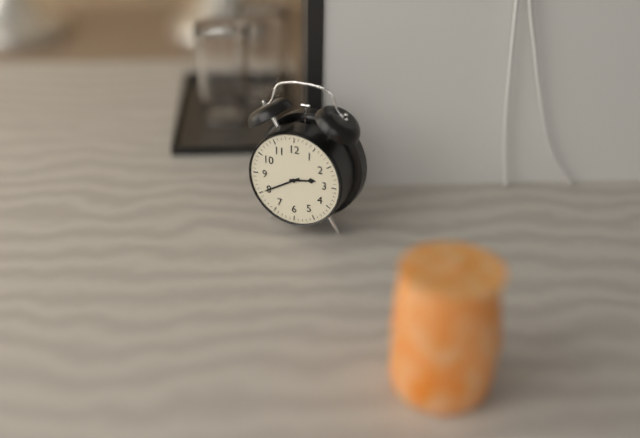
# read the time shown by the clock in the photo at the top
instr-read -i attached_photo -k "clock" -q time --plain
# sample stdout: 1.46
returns 2.40
